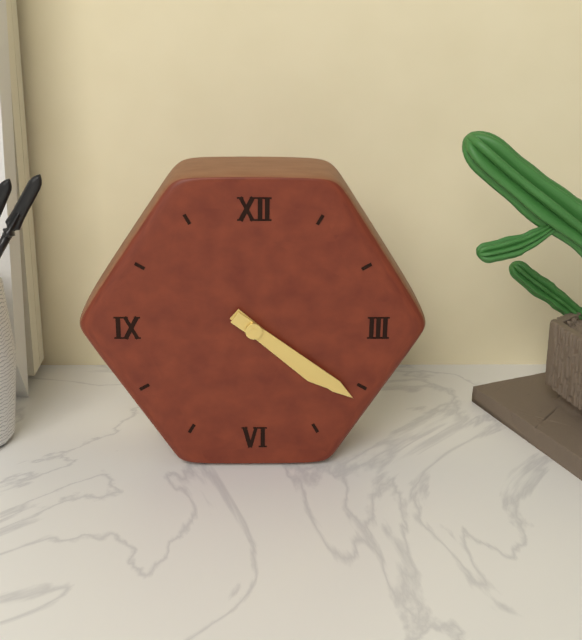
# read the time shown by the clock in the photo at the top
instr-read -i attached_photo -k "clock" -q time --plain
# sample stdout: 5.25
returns 4.21
